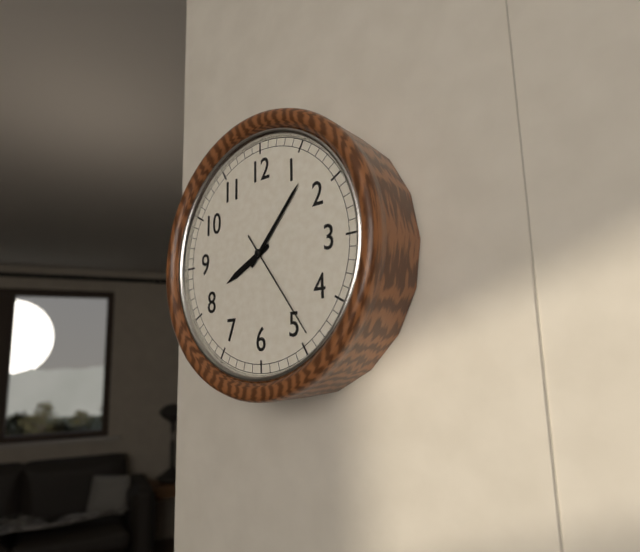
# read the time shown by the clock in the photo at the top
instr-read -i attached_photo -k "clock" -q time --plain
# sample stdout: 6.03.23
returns 8.07.24
